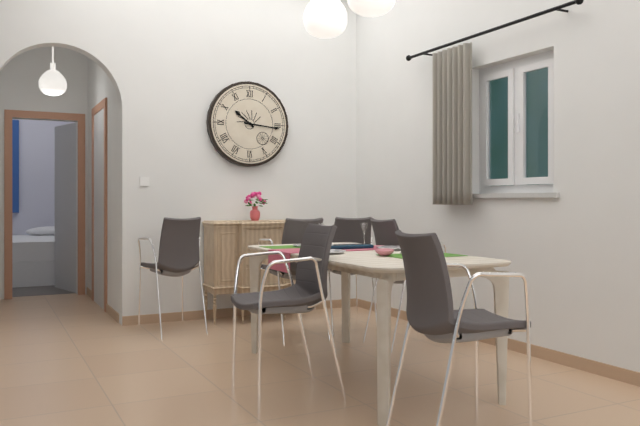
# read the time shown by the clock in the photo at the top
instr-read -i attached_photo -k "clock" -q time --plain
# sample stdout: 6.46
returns 10.16
